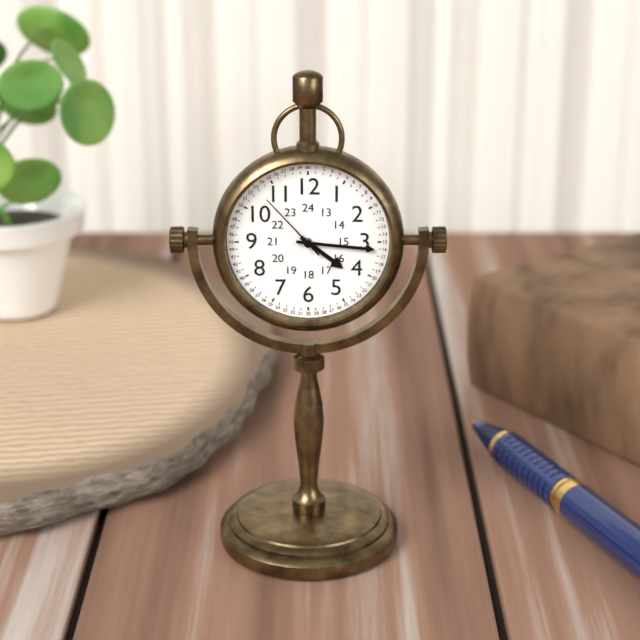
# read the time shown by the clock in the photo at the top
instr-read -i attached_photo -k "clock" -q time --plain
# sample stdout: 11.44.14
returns 4.16.53
